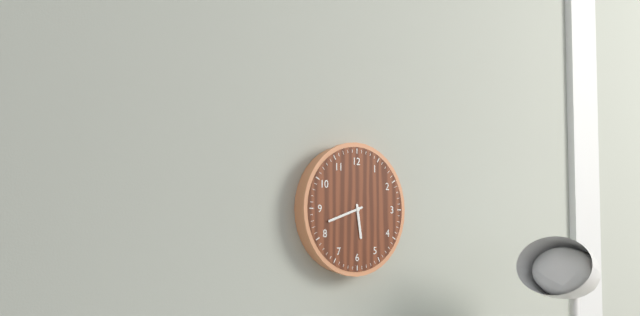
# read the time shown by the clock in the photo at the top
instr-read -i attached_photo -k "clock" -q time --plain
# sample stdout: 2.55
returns 5.42
